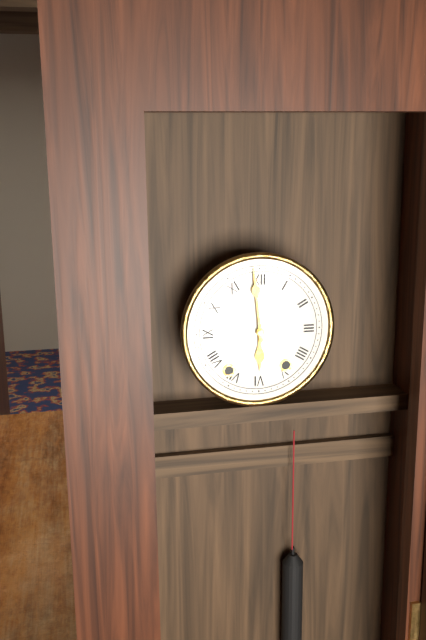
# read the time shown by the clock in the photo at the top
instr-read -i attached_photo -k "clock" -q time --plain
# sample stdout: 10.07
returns 5.59
